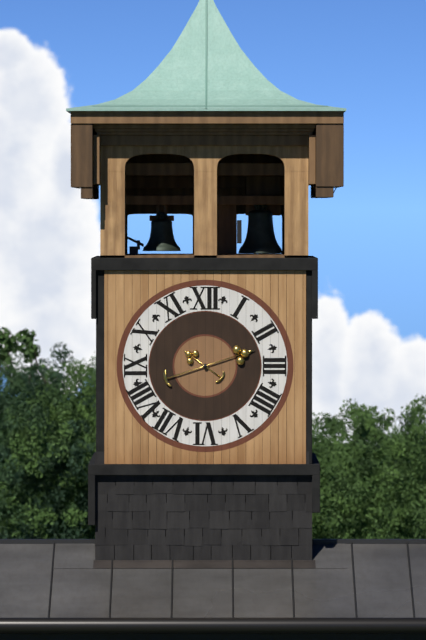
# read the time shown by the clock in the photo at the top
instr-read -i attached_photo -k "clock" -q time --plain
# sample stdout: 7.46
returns 10.12
